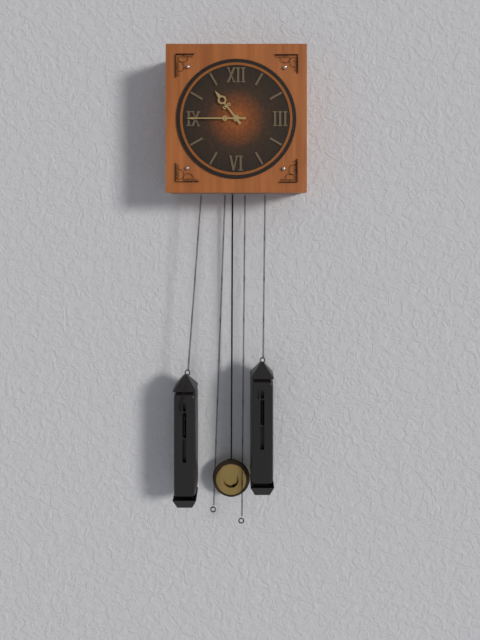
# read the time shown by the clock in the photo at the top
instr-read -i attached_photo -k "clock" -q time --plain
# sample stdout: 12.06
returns 10.45
